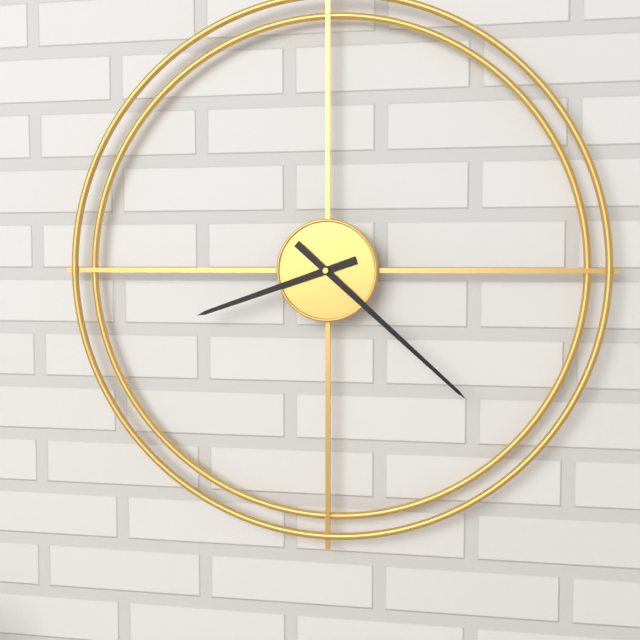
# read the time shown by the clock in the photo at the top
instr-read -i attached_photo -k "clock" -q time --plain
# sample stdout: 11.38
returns 8.22
